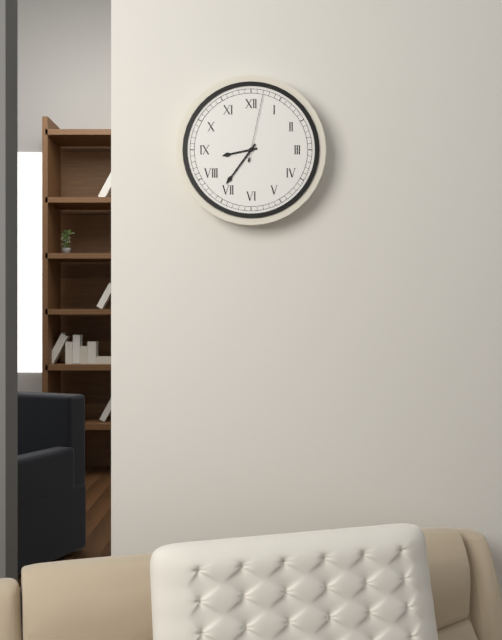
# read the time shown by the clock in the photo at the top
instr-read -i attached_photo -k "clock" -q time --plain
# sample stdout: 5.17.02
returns 8.36.02
